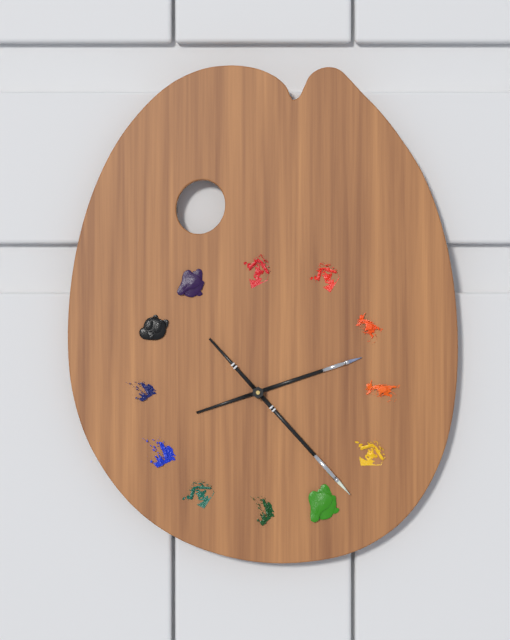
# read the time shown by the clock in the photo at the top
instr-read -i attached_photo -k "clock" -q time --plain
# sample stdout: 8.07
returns 2.23
